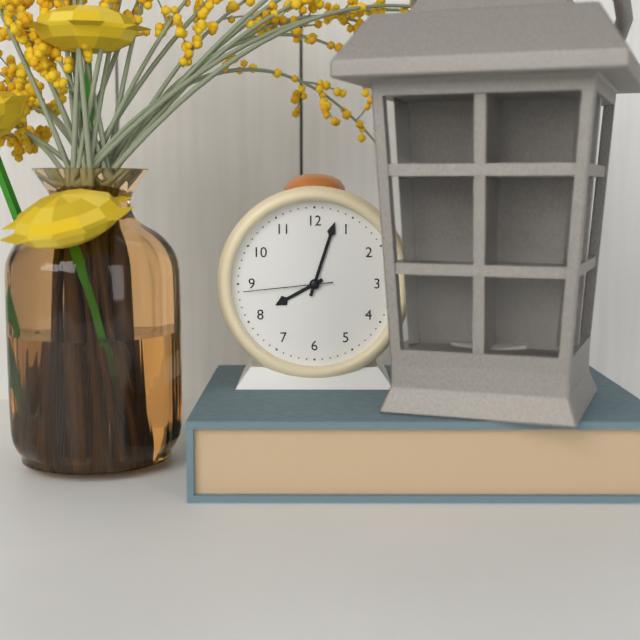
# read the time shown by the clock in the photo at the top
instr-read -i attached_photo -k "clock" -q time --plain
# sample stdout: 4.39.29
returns 8.03.44
